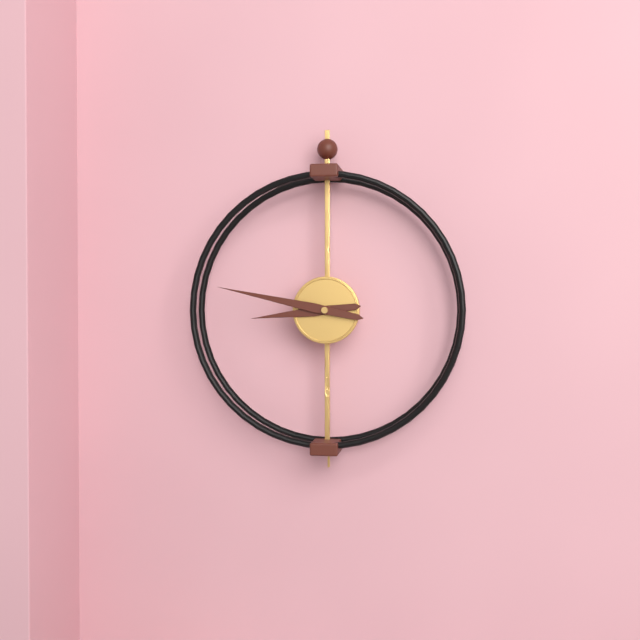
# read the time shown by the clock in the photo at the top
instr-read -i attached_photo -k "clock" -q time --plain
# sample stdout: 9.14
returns 8.47
